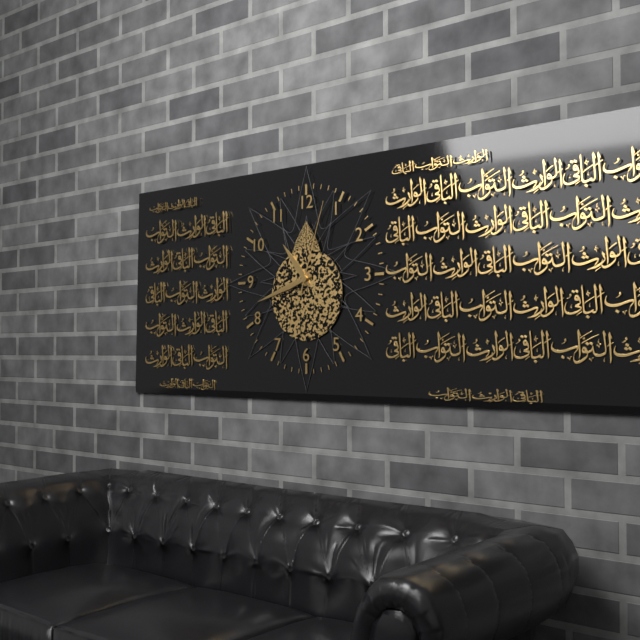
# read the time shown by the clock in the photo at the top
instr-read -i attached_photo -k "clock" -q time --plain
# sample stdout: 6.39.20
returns 10.42.03
